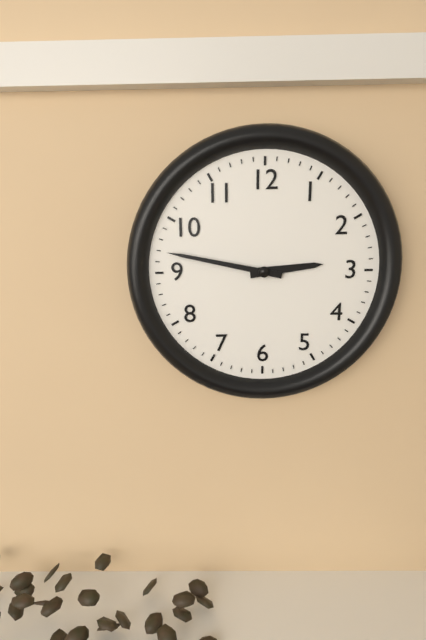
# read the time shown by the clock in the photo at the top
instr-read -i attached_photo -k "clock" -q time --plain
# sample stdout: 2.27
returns 2.47
